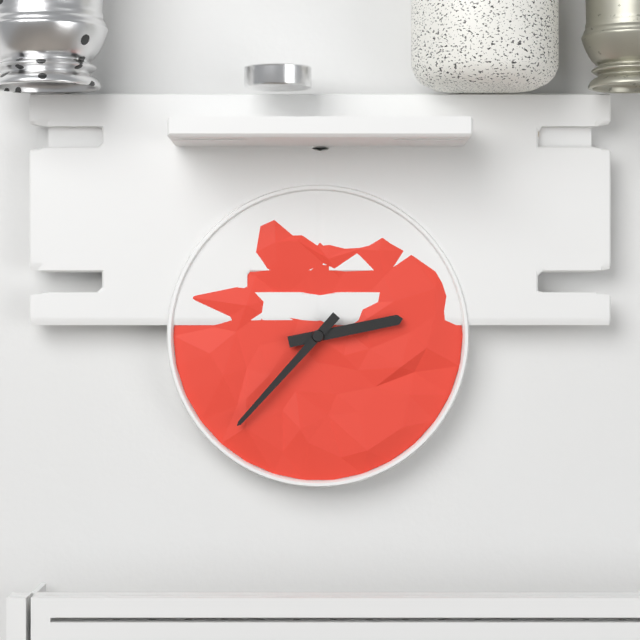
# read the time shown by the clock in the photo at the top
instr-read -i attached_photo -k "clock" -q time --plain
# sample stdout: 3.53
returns 2.37
